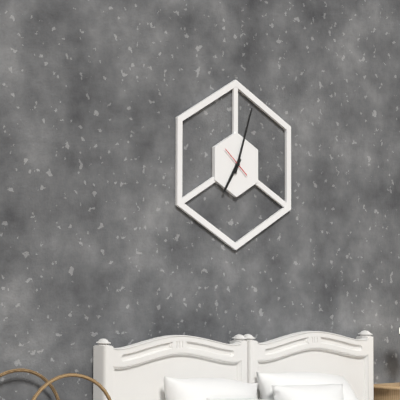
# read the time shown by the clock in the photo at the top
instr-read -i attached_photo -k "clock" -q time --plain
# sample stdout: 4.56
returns 7.03
